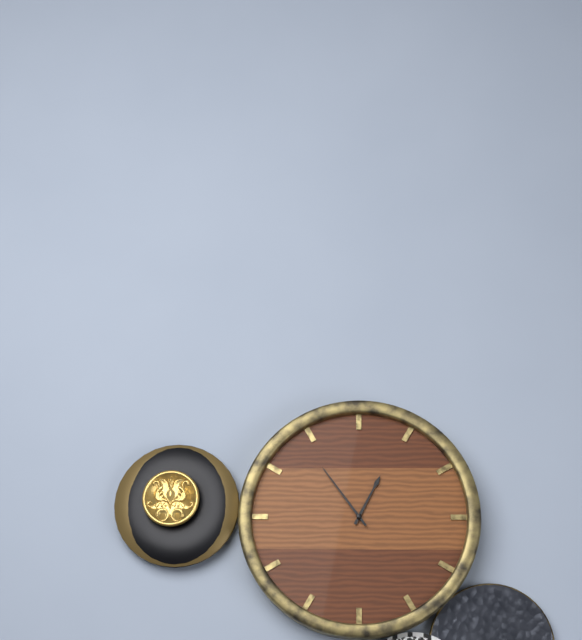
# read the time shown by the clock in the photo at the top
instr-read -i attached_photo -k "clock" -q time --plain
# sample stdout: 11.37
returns 12.54
